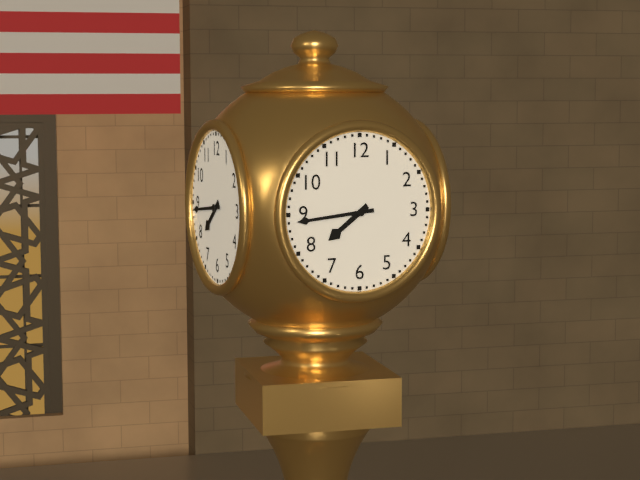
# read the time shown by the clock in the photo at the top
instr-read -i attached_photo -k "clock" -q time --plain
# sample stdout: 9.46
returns 7.44
